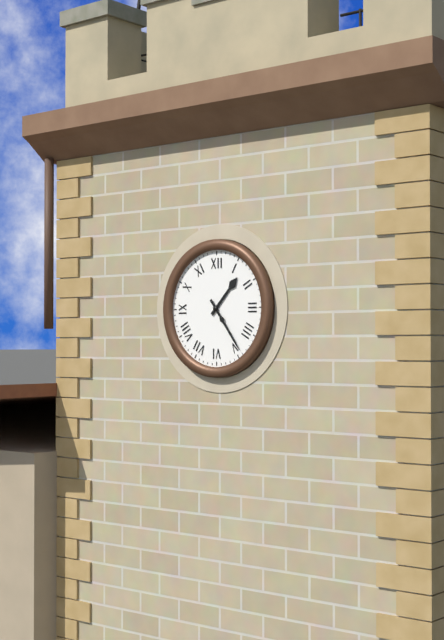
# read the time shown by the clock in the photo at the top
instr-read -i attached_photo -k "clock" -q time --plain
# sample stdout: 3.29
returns 1.24
